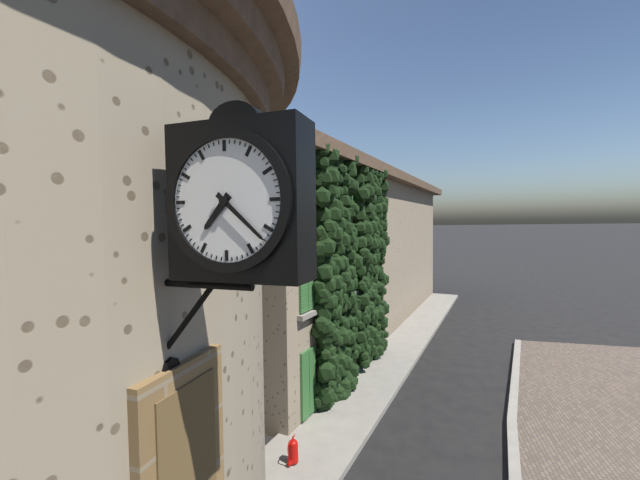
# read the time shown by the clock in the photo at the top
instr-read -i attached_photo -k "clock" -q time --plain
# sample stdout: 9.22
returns 7.22
